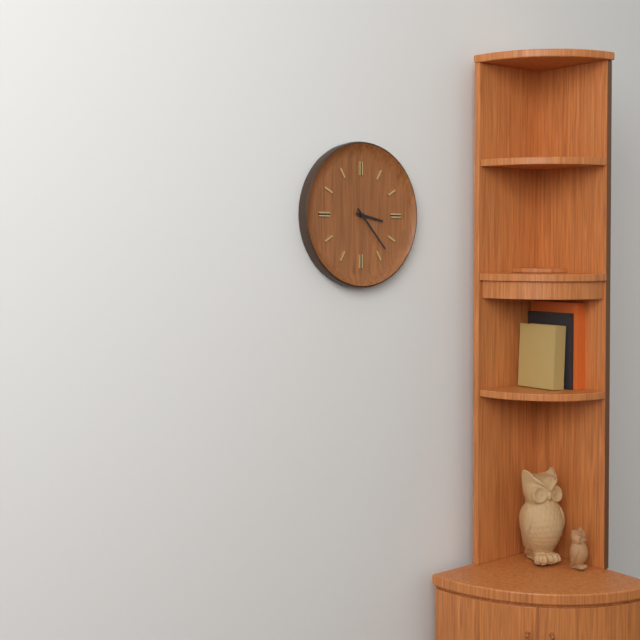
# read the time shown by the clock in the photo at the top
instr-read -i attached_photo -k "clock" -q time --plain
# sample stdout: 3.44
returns 3.23
